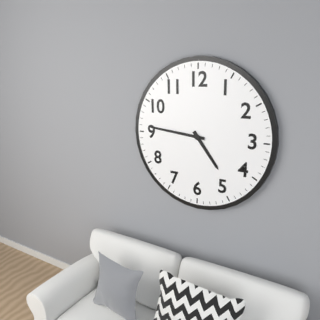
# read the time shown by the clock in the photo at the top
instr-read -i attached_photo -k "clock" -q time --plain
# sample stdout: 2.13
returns 4.46
